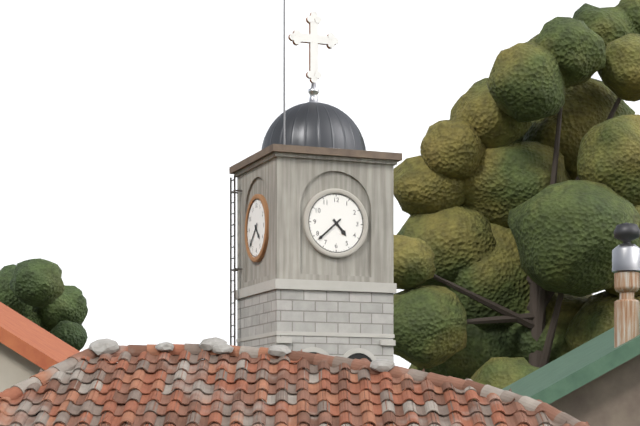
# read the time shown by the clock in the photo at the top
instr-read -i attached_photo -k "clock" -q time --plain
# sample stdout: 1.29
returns 4.38
